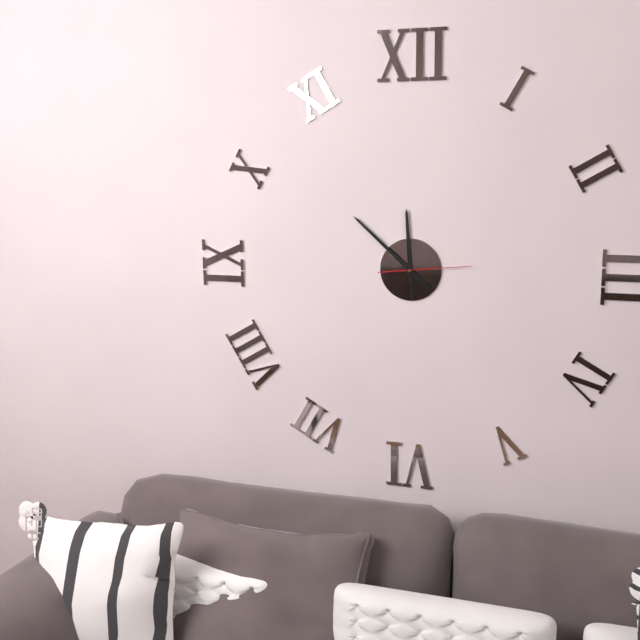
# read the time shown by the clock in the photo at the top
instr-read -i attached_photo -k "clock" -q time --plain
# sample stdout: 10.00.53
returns 11.52.14
